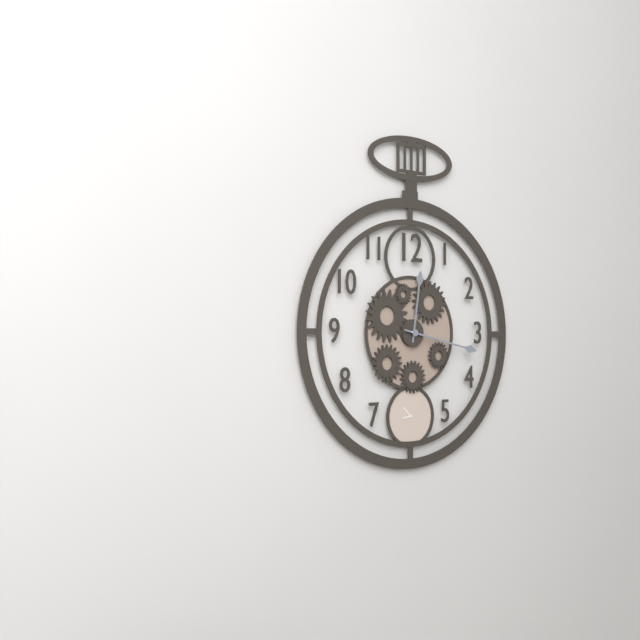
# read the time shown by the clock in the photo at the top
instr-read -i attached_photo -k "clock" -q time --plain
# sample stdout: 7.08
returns 12.17
